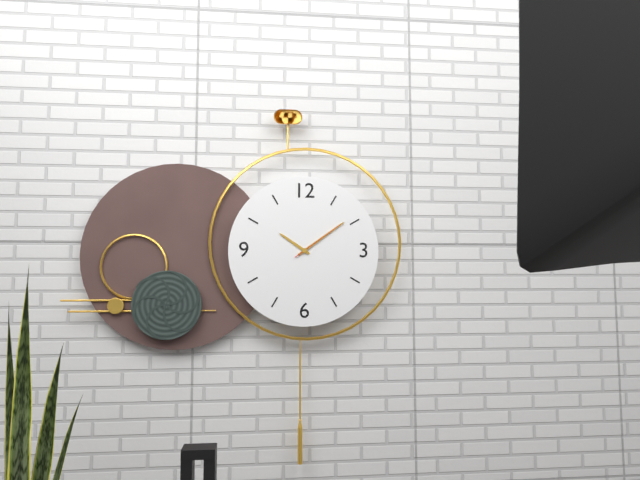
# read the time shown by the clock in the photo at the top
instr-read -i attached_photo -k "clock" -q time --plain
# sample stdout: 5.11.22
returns 10.09.09
